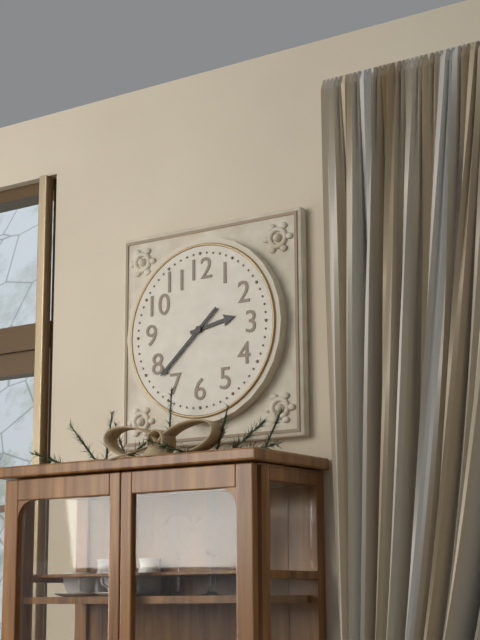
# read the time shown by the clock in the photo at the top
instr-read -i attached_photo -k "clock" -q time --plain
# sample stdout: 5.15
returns 2.38
